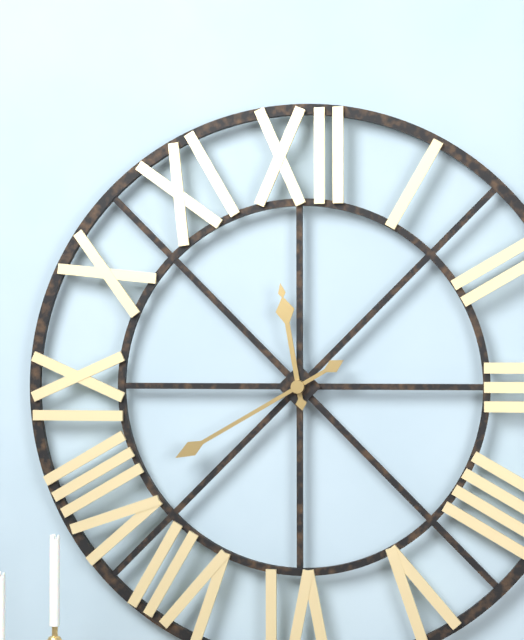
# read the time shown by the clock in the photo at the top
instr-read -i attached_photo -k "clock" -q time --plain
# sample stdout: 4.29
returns 11.40
